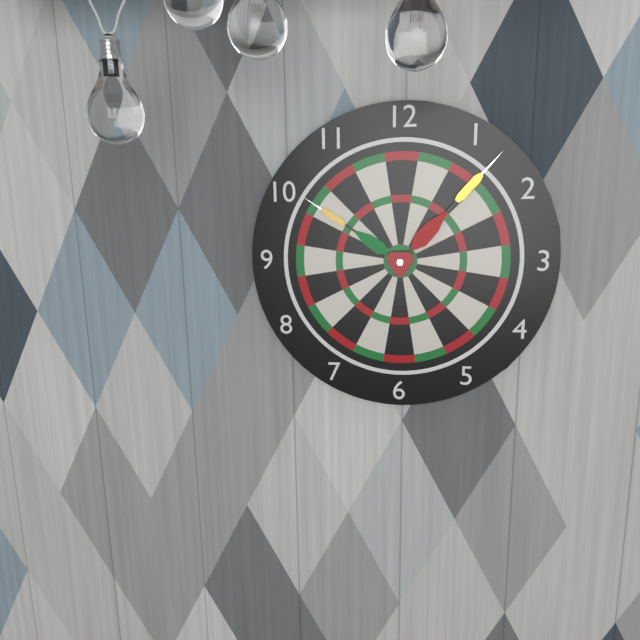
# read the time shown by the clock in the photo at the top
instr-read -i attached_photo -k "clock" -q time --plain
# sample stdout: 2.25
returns 10.07
